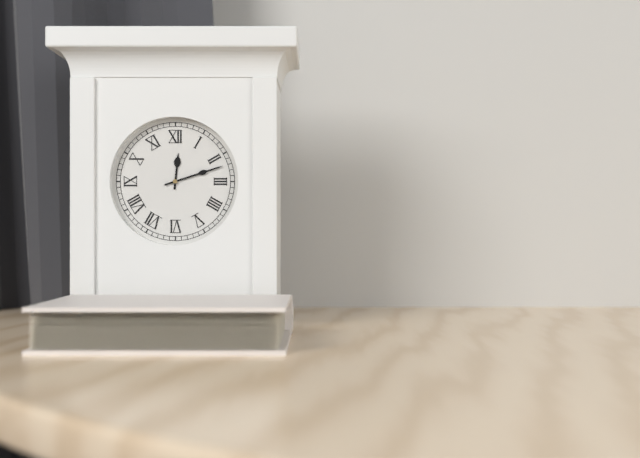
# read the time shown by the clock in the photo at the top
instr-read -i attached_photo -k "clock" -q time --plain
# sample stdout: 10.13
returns 12.12
